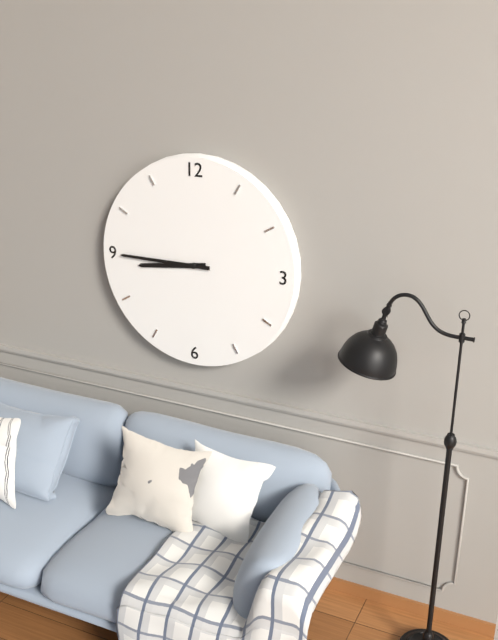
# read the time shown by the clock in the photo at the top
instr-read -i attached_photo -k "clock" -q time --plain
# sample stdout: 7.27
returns 8.45
